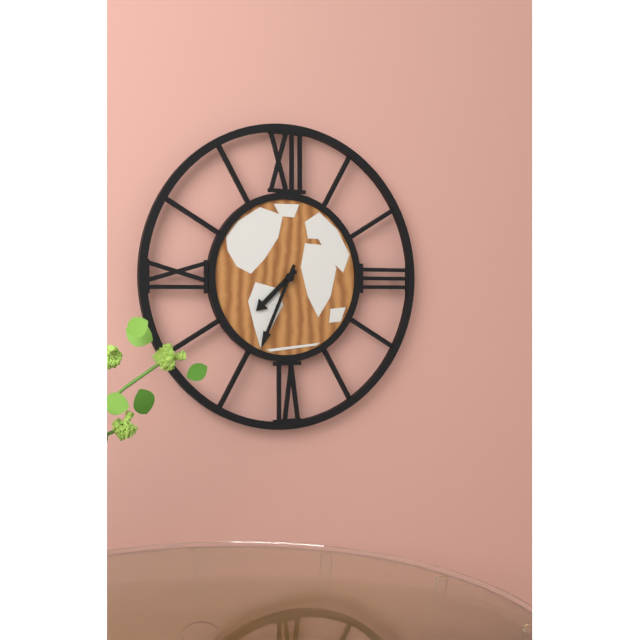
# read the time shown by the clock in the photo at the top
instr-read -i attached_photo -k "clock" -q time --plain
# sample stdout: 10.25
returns 7.34
